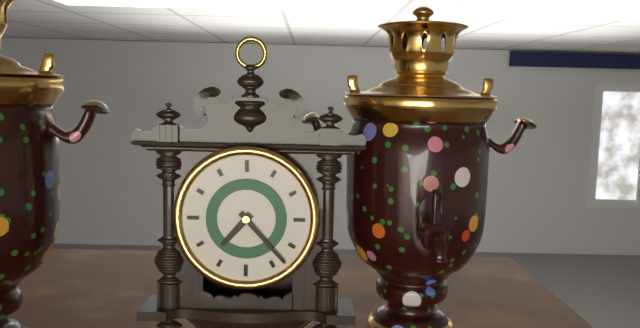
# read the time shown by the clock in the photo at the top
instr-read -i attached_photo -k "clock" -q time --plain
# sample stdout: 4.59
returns 7.23
